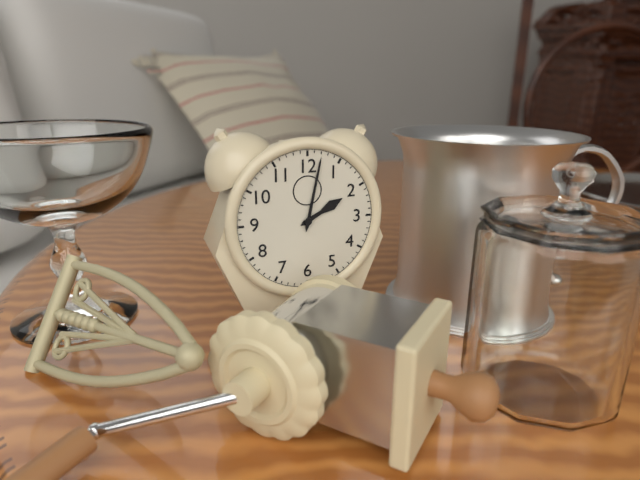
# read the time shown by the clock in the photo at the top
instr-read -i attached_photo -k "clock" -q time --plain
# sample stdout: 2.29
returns 2.02
